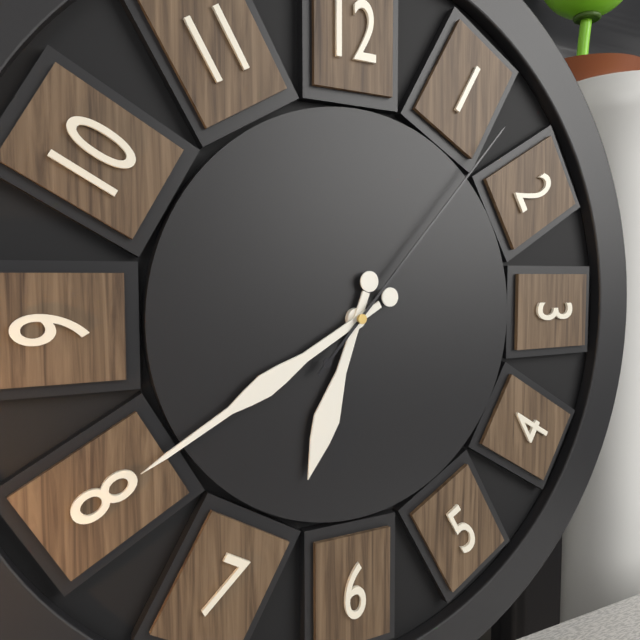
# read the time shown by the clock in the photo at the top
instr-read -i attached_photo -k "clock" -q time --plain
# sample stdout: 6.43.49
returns 6.40.07
